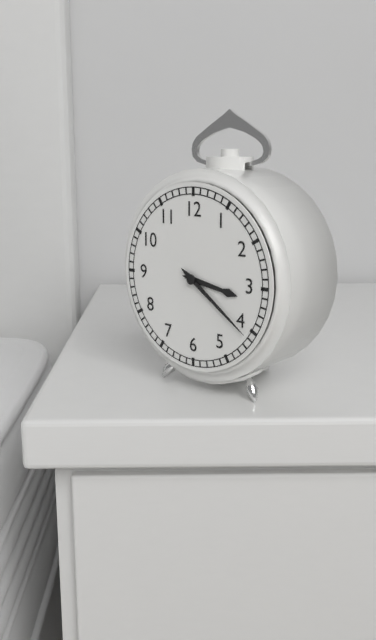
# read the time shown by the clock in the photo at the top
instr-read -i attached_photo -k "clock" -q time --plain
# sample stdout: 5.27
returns 3.21
